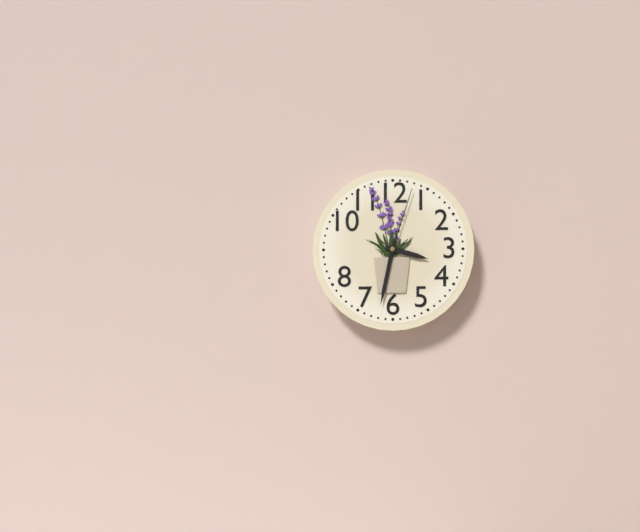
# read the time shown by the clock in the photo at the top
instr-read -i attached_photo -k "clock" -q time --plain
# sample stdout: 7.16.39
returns 3.32.03
